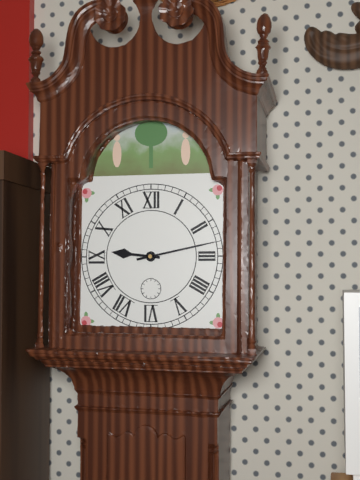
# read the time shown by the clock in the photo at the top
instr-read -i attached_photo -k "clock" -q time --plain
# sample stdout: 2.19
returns 9.13
